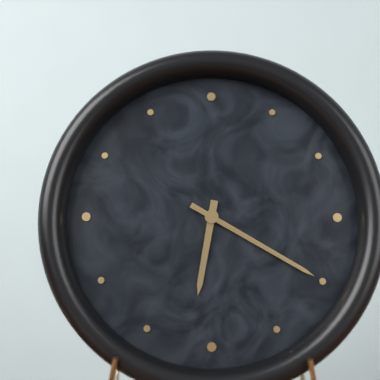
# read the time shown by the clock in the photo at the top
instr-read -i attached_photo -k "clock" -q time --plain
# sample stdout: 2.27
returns 6.20
